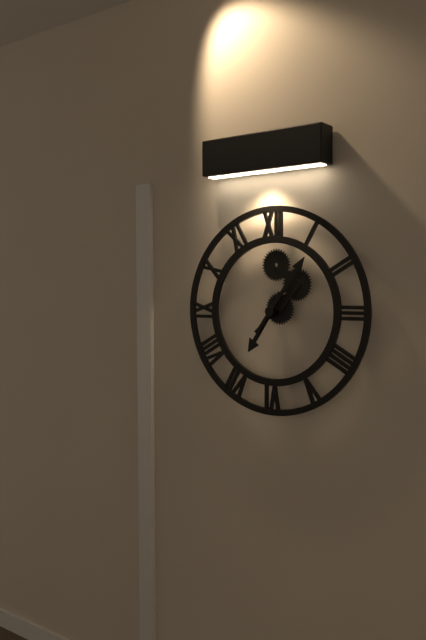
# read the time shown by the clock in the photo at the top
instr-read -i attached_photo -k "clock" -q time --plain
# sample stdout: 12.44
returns 7.06
